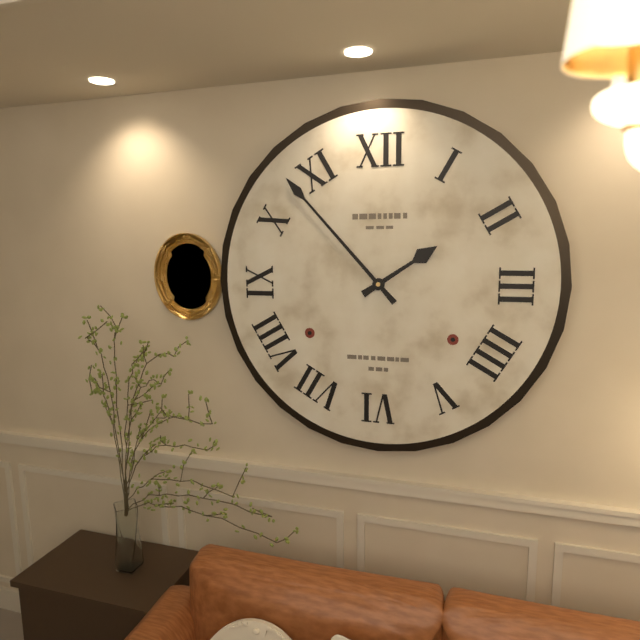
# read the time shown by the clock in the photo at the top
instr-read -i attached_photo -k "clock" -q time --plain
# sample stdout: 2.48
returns 1.53
